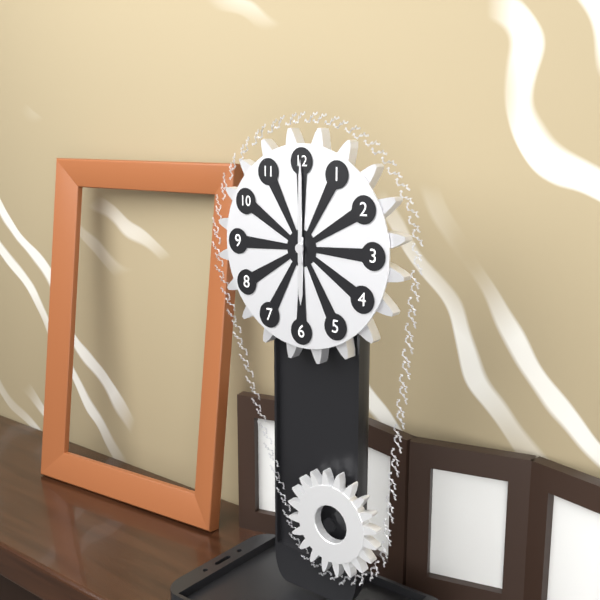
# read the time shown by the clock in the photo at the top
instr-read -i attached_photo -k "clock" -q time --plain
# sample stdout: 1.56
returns 6.00
